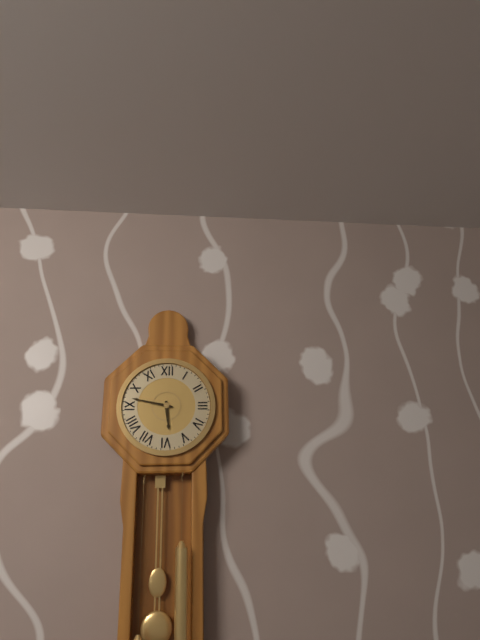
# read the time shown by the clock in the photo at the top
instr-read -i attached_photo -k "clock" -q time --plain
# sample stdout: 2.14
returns 5.47
